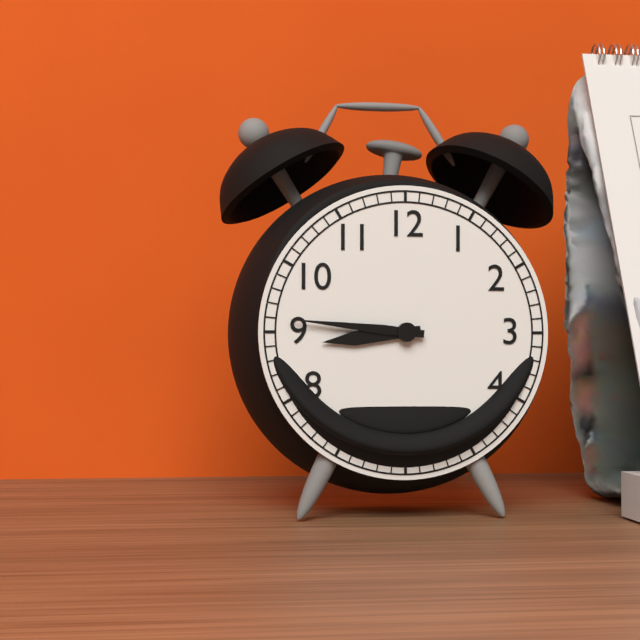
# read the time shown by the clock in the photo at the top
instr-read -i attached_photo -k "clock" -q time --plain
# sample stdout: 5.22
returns 8.46
